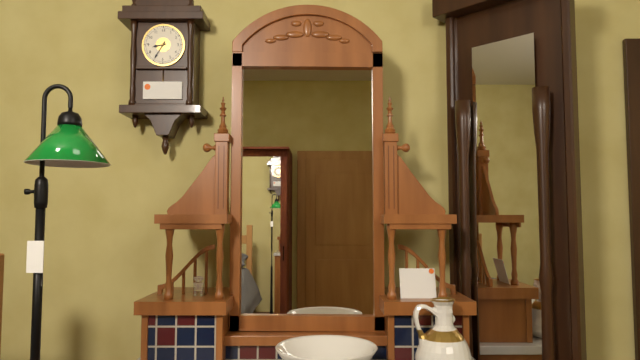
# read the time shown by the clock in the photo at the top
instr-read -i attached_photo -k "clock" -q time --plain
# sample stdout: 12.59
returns 8.35
